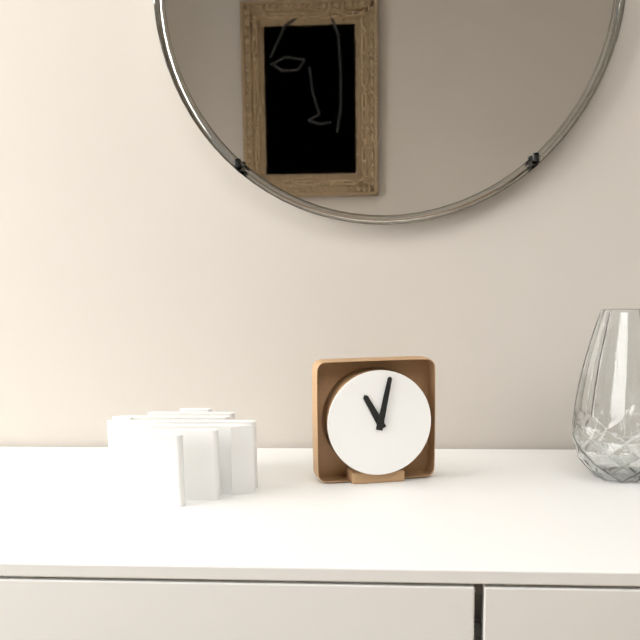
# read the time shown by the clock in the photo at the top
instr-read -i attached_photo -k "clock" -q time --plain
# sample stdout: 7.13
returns 11.02
